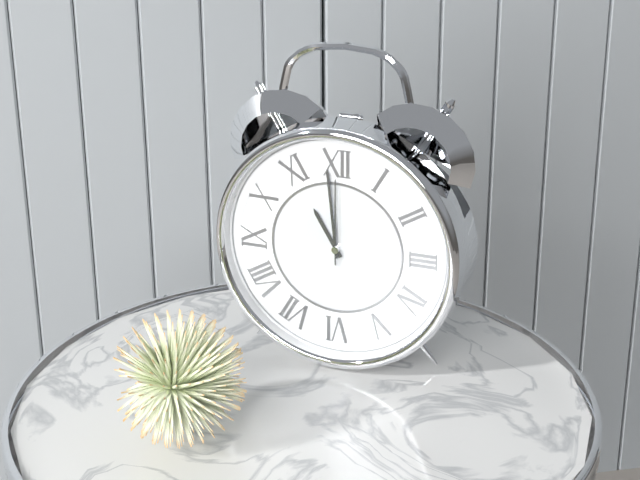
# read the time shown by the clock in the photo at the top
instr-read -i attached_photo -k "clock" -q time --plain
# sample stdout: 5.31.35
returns 10.59.00
